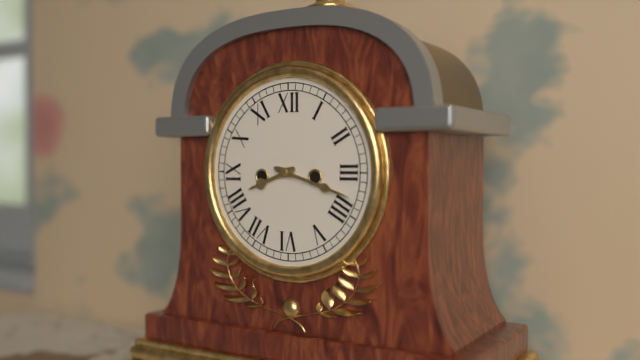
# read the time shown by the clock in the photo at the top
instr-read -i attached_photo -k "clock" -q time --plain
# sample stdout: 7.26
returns 8.18
